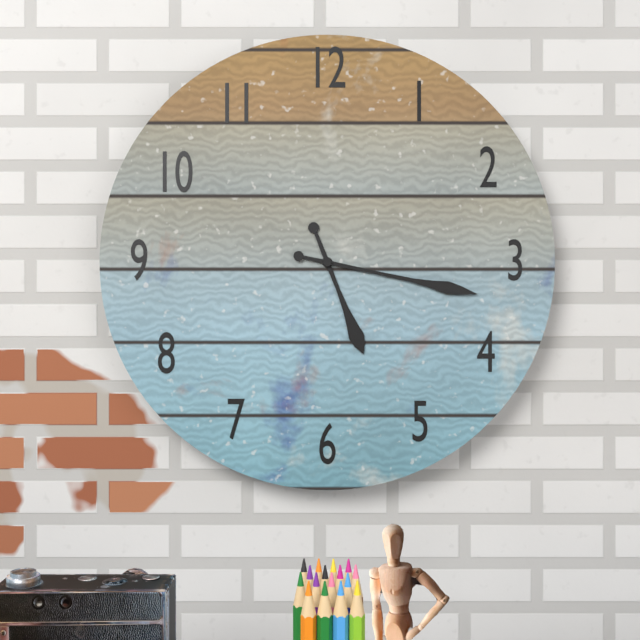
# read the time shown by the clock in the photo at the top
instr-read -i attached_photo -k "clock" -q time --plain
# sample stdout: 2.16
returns 5.17
